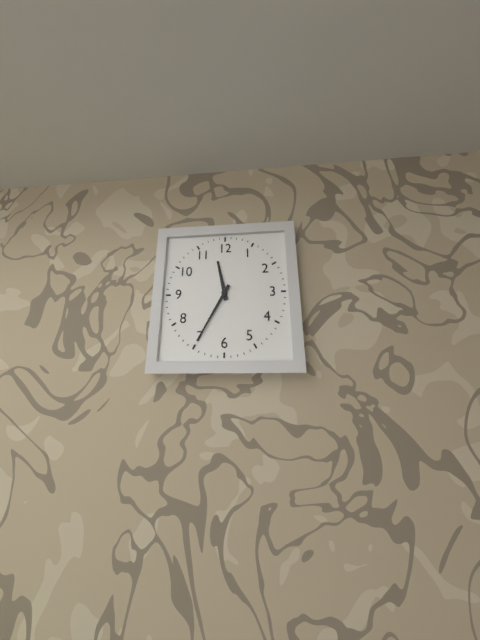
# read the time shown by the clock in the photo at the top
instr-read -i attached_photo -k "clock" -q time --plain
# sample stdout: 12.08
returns 11.35
